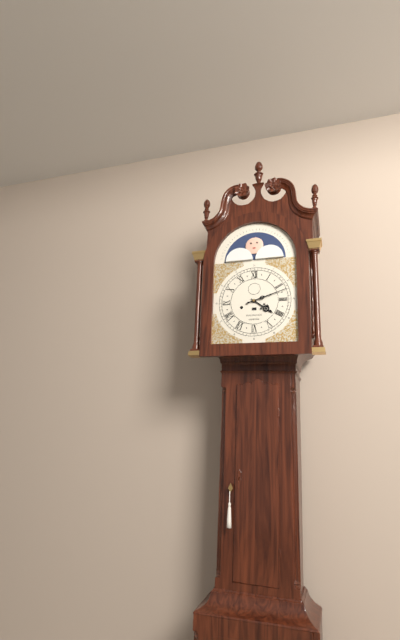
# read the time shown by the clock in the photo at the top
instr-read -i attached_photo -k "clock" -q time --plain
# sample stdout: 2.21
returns 4.12
